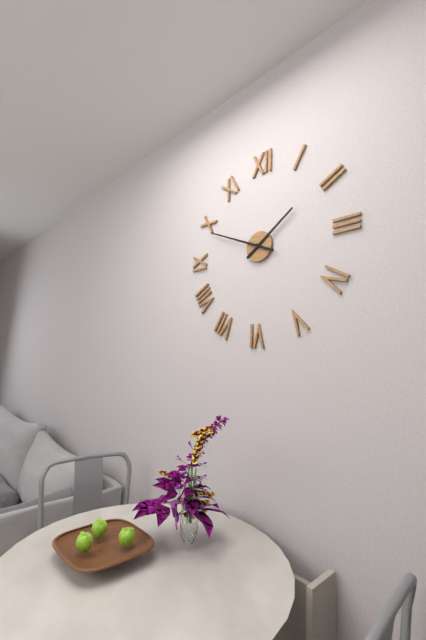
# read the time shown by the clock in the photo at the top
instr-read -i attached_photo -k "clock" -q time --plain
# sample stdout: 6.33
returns 1.49
